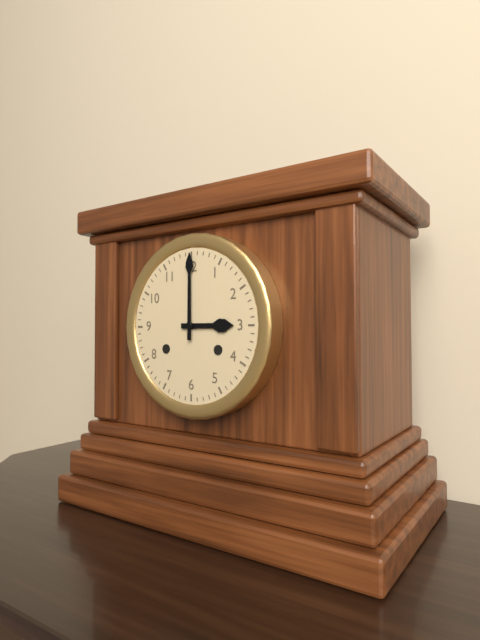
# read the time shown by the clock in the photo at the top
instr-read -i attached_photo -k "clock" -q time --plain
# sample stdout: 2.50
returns 3.00
